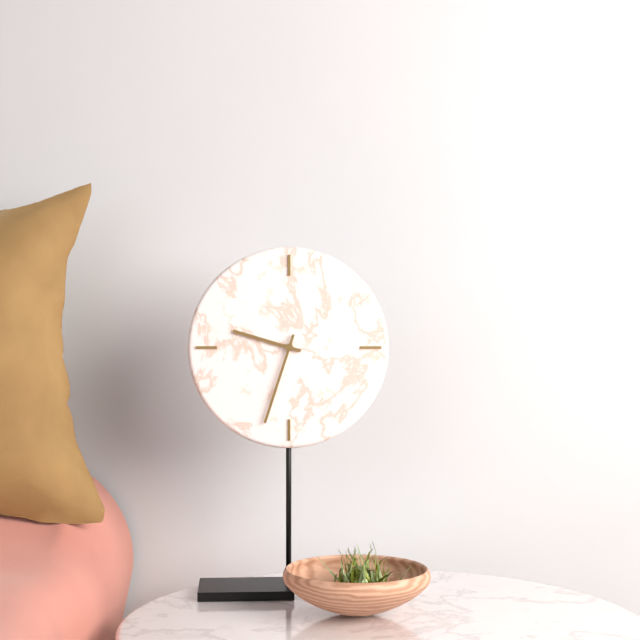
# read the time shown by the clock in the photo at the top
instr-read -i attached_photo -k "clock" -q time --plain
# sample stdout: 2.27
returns 9.33
